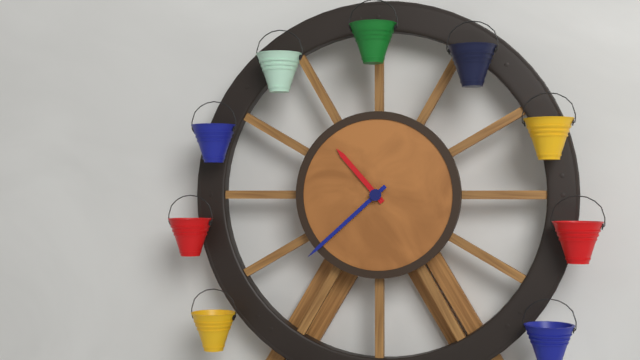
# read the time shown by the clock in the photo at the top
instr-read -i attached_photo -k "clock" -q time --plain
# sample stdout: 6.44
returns 10.38
